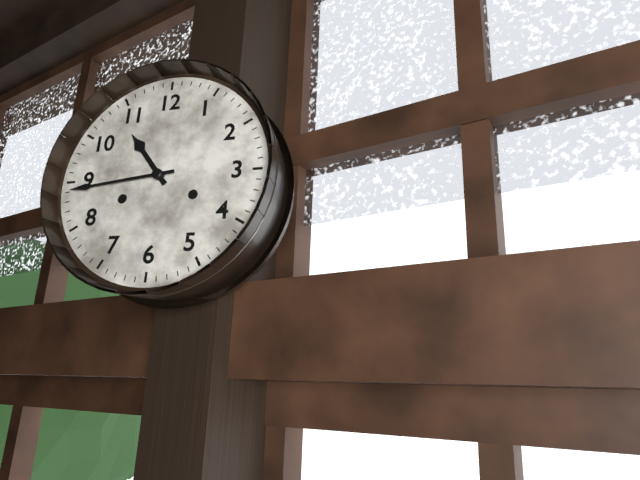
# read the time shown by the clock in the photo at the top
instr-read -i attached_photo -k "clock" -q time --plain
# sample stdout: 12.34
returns 10.44
